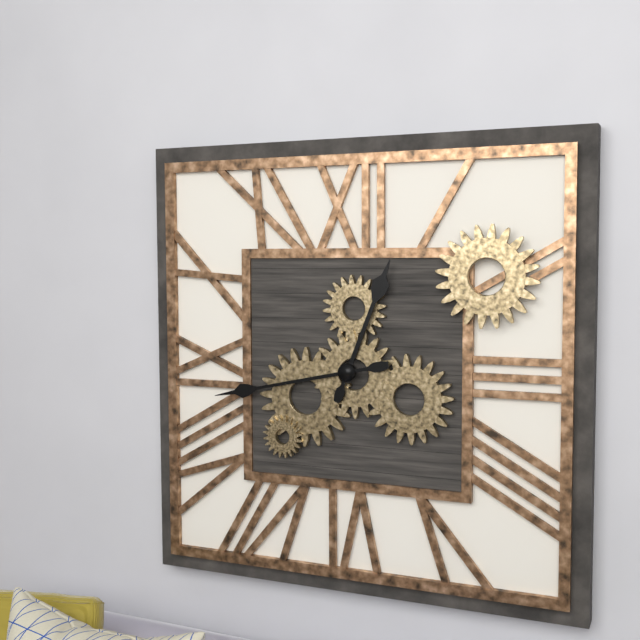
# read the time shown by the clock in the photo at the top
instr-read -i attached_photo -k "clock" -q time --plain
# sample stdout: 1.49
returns 12.43
